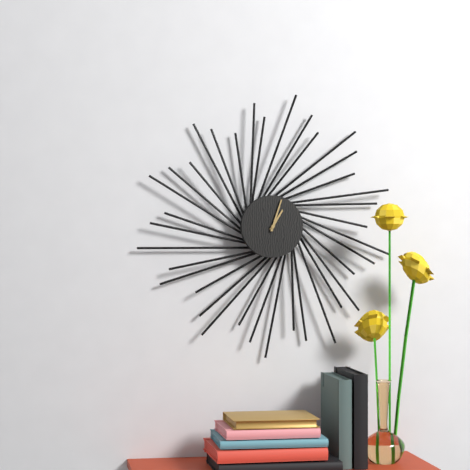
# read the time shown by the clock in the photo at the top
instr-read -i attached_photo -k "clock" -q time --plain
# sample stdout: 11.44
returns 1.03
